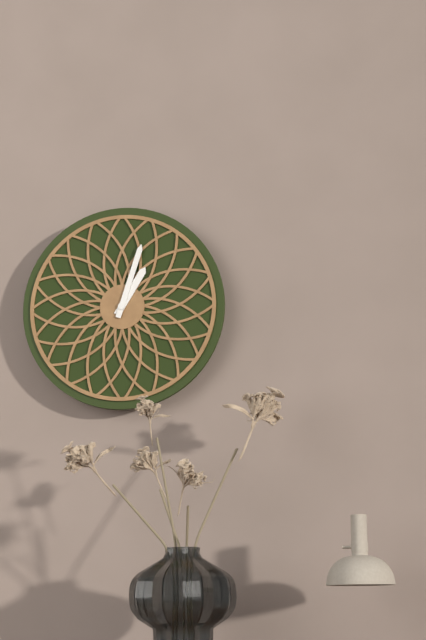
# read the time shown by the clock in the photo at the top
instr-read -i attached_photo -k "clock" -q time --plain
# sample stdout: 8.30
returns 1.03
